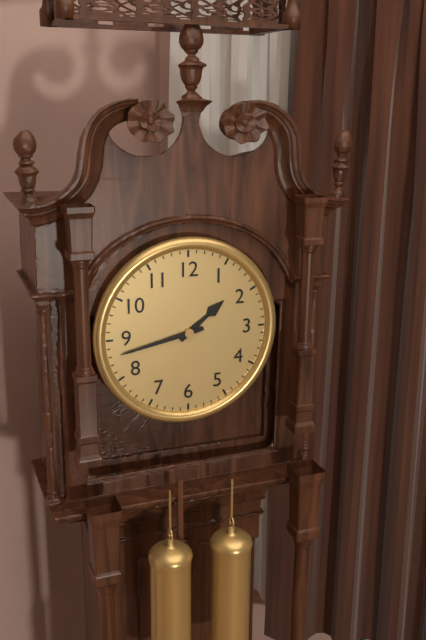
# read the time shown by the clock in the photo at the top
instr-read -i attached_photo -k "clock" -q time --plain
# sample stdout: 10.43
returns 1.43
